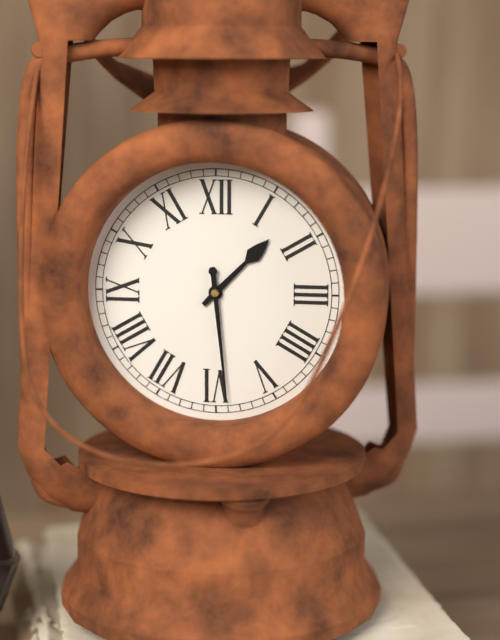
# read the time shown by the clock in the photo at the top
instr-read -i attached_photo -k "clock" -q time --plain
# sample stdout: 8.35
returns 1.29
